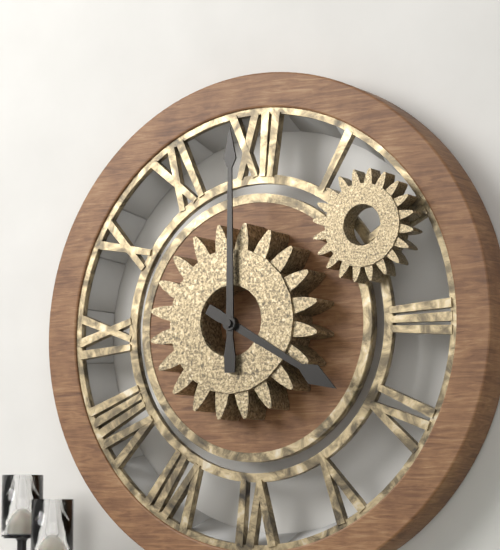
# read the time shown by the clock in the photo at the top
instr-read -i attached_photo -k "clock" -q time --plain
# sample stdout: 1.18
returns 4.00
